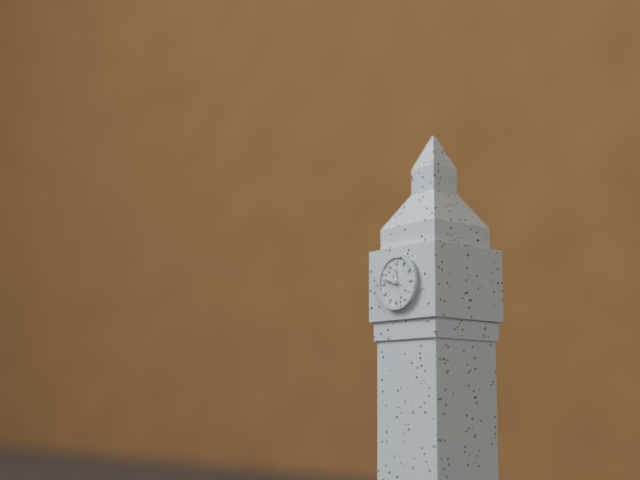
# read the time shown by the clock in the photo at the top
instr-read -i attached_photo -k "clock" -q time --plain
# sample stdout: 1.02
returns 11.48
